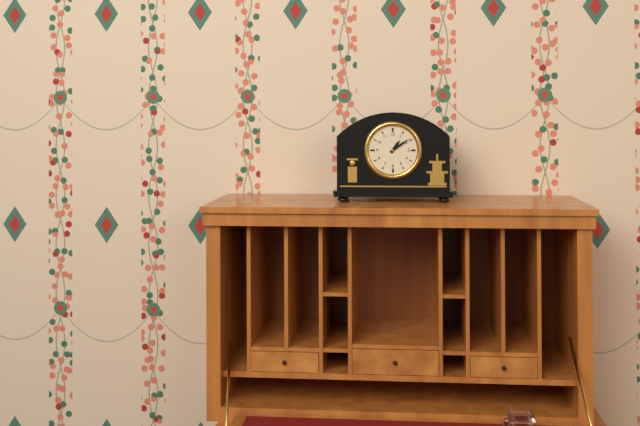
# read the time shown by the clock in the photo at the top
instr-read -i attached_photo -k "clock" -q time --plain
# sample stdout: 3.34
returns 1.09
